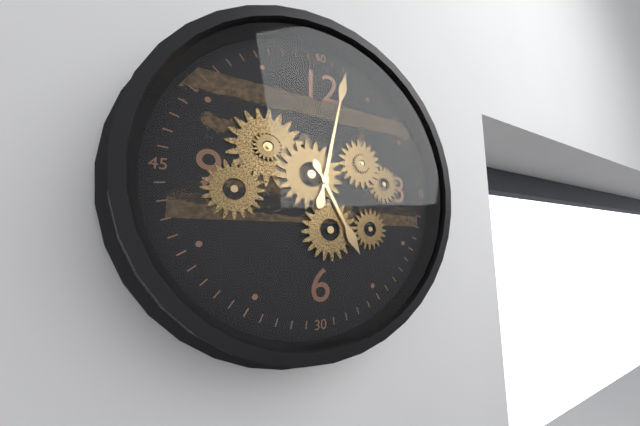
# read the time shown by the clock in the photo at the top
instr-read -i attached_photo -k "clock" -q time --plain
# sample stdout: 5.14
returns 5.02
